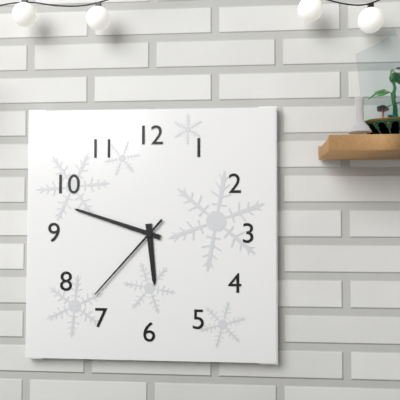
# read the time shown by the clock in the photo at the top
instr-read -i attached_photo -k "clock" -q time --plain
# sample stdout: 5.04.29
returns 5.48.37
